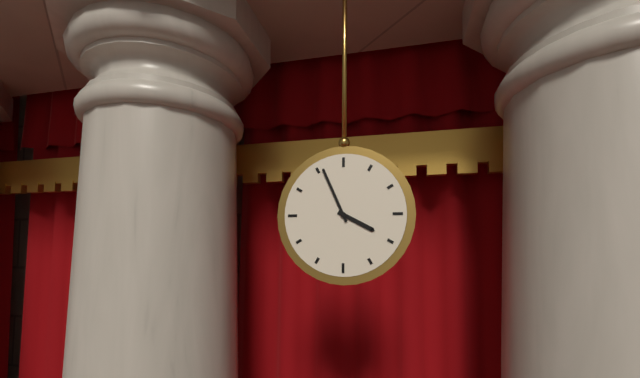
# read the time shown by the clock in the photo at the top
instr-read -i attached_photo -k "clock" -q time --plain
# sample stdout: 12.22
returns 3.56
